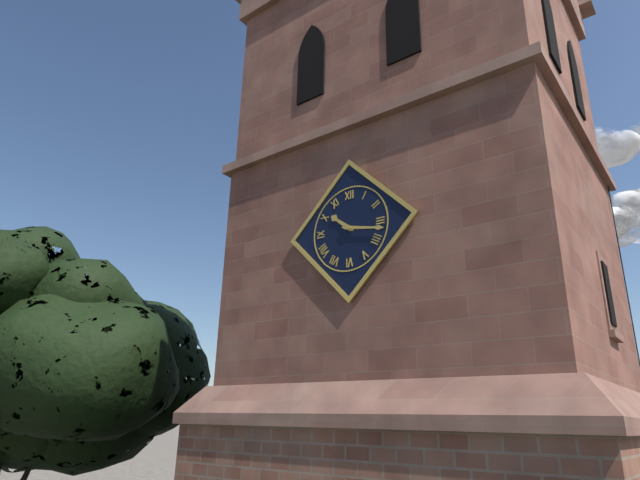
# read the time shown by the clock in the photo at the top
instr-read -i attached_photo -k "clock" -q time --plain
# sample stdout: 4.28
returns 10.17
